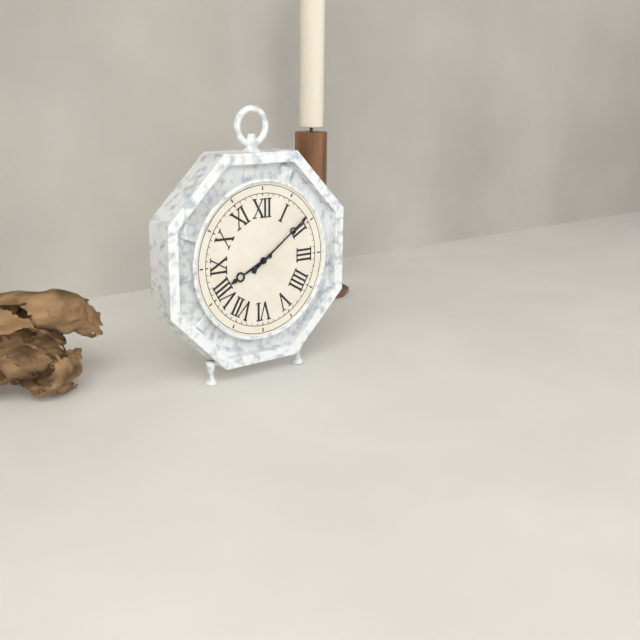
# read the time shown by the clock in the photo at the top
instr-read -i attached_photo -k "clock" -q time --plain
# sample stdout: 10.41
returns 8.09
